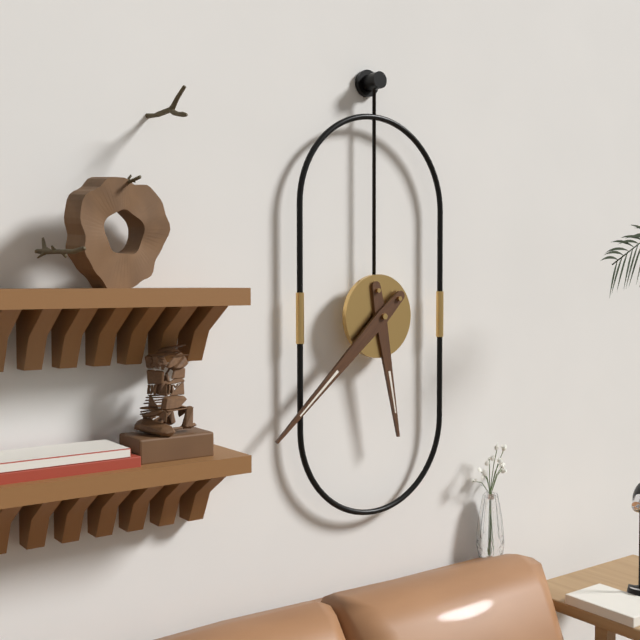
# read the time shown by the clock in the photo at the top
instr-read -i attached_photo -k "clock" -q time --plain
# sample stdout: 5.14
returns 5.38
